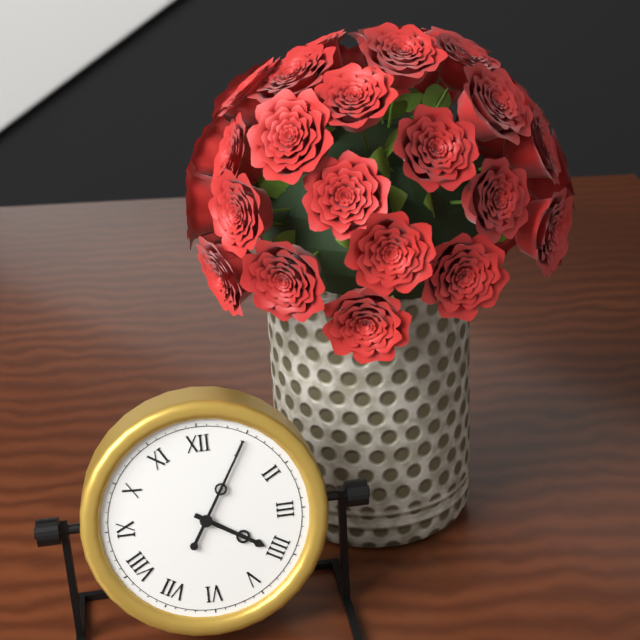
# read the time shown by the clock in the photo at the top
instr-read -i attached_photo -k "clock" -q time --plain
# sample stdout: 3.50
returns 4.05
